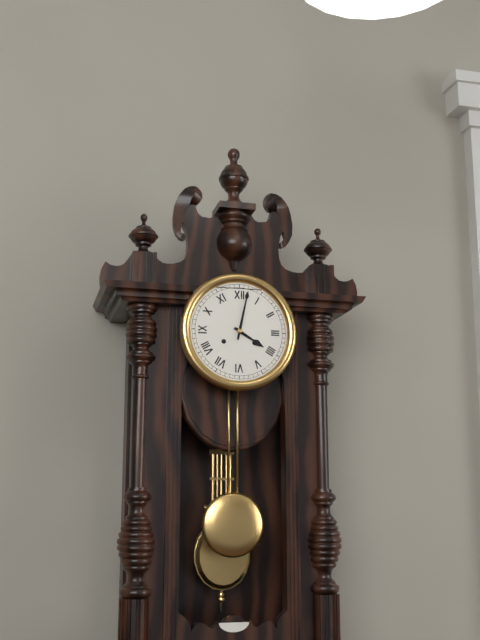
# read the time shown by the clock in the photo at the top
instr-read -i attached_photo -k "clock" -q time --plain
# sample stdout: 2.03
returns 4.02
